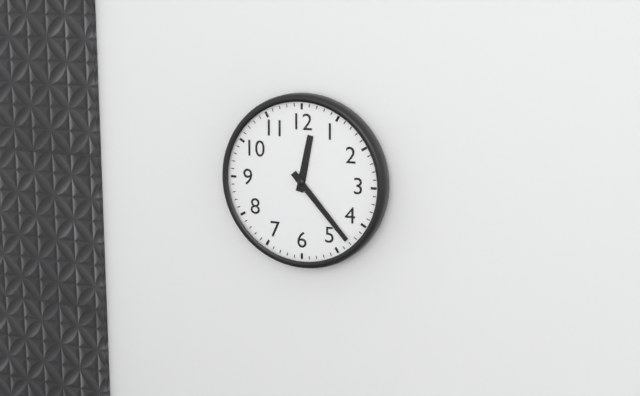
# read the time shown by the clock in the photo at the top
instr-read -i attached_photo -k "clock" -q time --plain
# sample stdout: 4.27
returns 12.23
